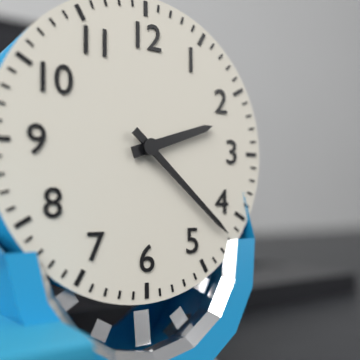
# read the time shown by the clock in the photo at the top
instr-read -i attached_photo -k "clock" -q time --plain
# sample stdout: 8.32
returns 2.22
